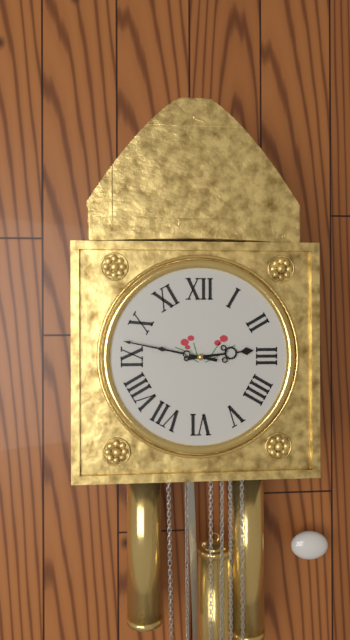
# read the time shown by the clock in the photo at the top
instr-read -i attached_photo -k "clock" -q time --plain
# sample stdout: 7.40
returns 2.47
